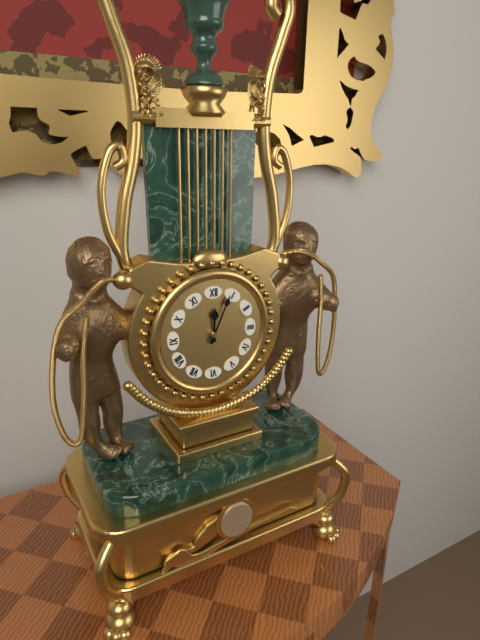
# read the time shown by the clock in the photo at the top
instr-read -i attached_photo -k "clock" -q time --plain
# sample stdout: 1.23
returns 12.04
